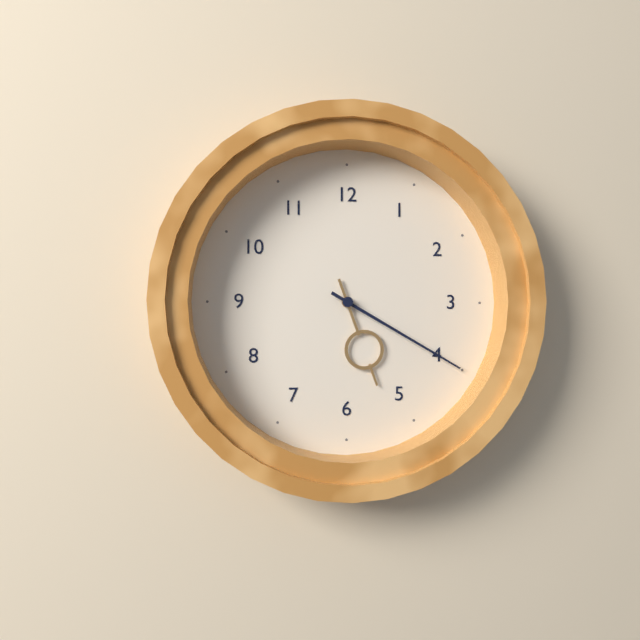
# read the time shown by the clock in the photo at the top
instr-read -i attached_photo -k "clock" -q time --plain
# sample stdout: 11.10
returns 5.20
